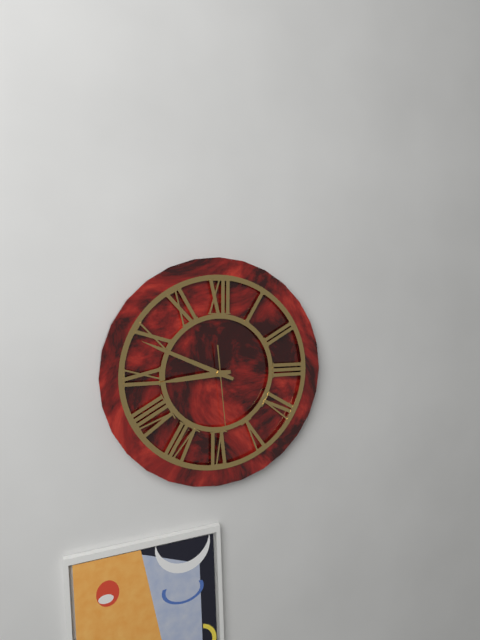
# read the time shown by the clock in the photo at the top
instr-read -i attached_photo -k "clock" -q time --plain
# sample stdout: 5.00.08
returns 8.49.29
